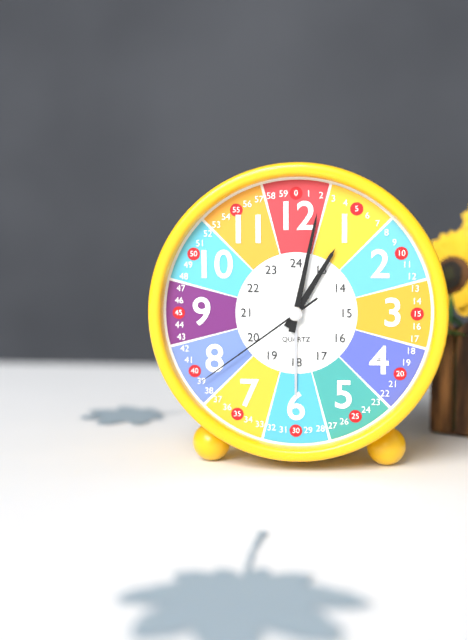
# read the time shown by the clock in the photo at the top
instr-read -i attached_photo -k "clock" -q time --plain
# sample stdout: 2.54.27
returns 1.02.39
